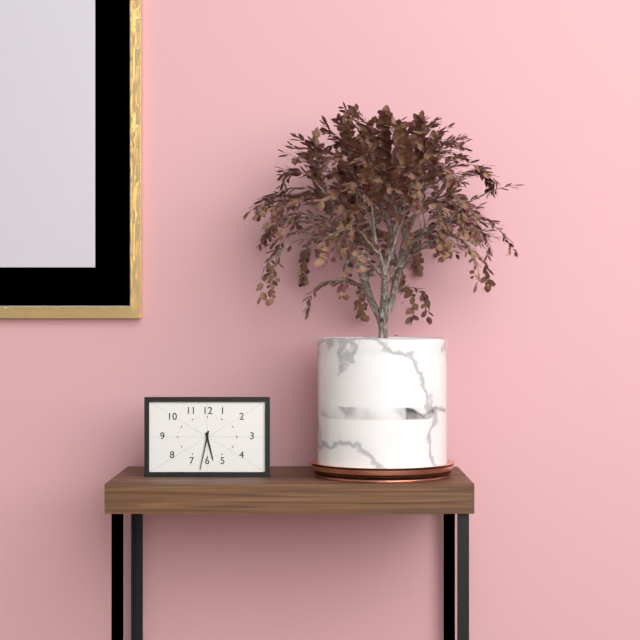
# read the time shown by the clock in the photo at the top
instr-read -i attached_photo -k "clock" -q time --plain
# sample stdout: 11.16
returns 5.32
